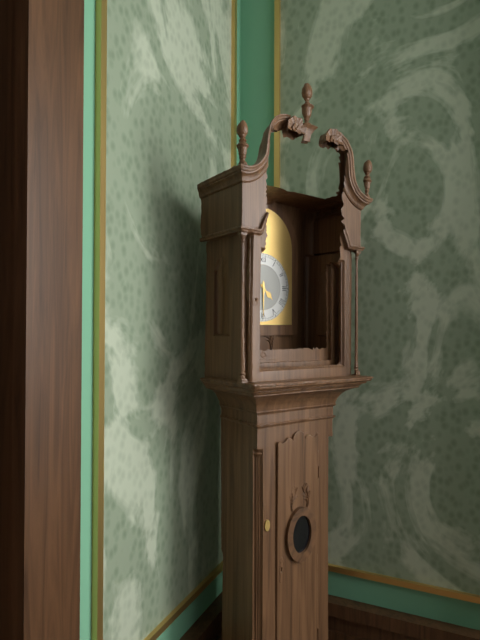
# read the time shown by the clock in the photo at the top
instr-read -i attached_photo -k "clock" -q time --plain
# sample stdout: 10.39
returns 4.30
